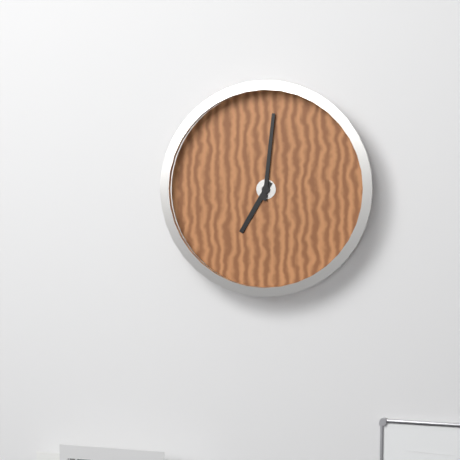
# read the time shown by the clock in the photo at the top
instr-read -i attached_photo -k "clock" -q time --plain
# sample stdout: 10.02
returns 7.01
